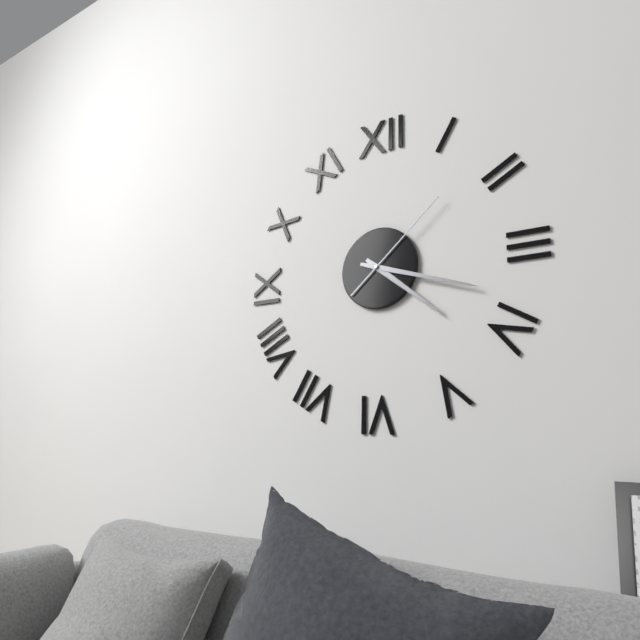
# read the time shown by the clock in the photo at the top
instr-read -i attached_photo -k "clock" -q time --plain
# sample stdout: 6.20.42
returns 4.18.08
